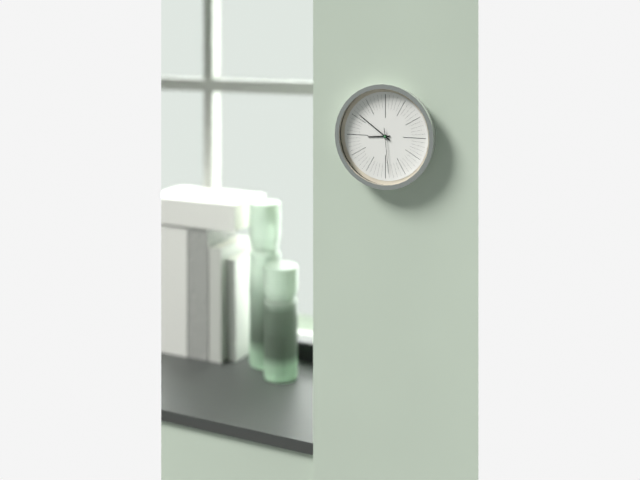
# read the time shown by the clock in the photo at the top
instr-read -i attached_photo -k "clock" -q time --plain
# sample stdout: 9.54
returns 8.51
